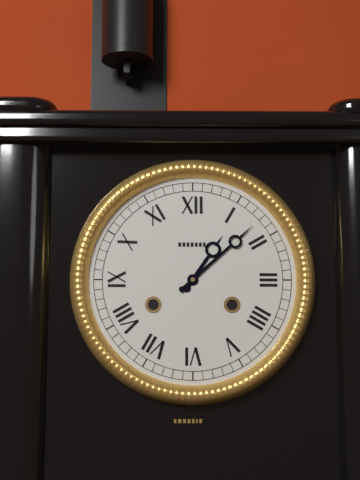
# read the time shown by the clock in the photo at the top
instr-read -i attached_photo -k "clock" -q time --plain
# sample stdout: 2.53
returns 1.08
